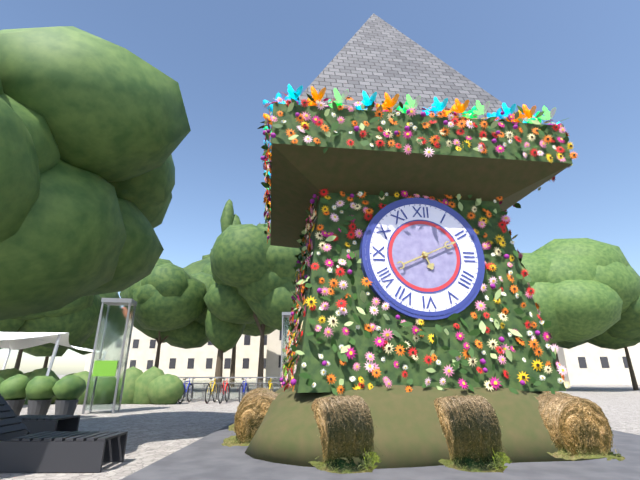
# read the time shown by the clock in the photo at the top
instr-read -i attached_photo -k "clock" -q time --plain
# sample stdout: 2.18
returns 5.11
